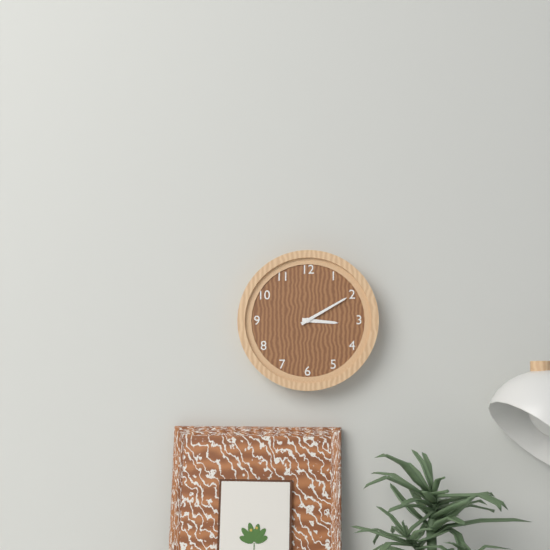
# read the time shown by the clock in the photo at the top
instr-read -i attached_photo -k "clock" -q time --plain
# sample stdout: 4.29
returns 3.10
